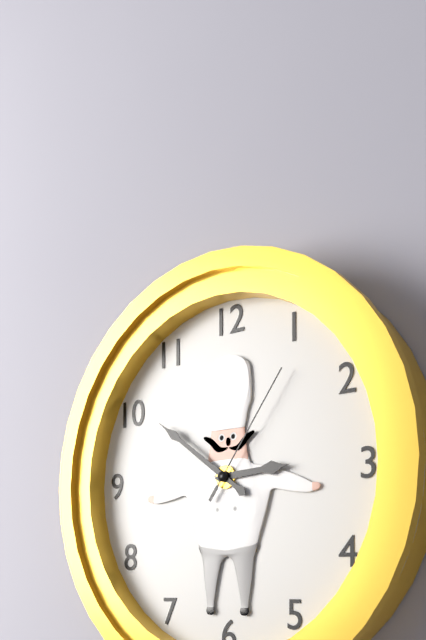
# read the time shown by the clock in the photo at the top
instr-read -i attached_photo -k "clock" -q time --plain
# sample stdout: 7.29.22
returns 2.51.06
